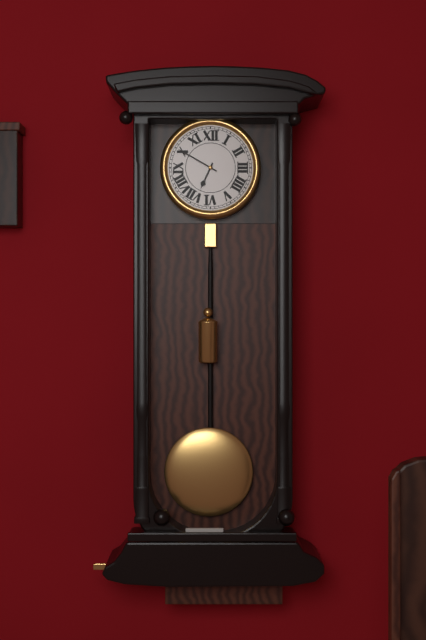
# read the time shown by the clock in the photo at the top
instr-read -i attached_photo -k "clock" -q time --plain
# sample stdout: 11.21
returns 6.50
